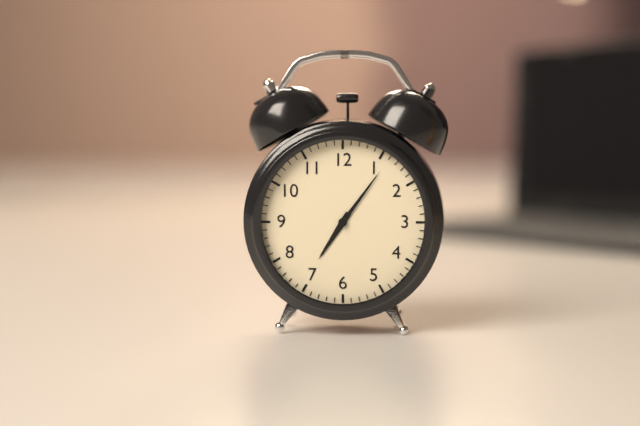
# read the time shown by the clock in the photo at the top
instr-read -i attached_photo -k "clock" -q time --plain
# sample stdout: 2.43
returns 7.06
